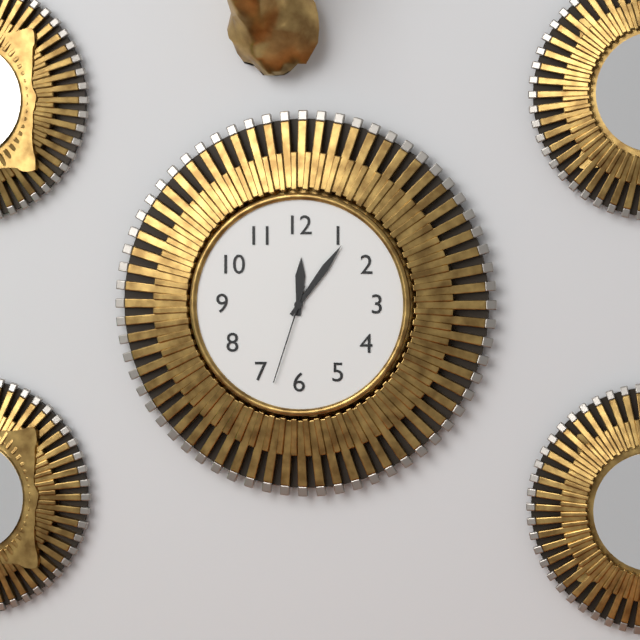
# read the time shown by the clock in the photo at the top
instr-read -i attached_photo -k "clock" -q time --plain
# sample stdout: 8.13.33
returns 12.06.33
